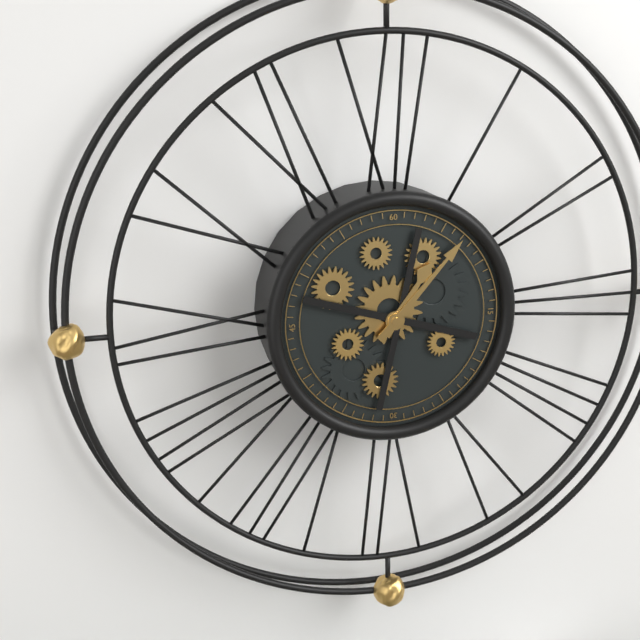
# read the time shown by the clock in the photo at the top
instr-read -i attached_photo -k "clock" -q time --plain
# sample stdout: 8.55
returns 1.07
